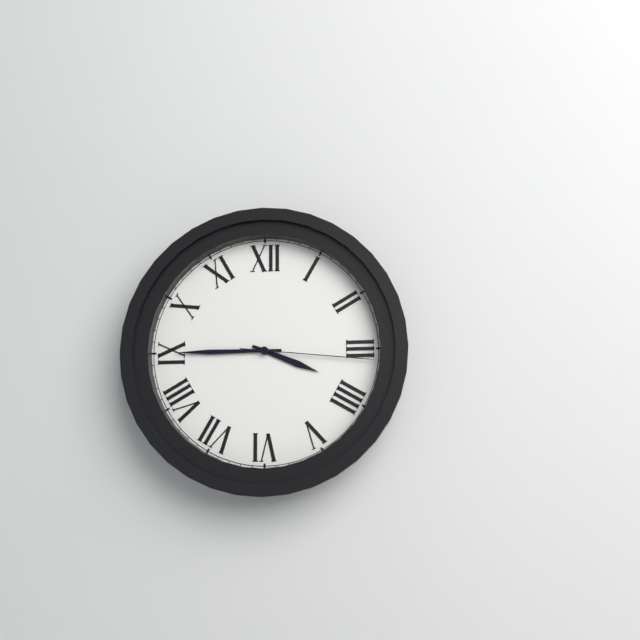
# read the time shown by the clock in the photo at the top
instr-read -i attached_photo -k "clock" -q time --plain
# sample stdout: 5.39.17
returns 3.45.16
